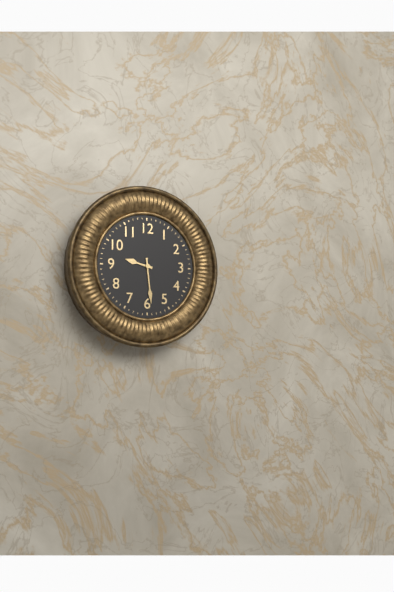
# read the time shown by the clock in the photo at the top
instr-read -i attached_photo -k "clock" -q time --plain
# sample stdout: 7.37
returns 9.29
